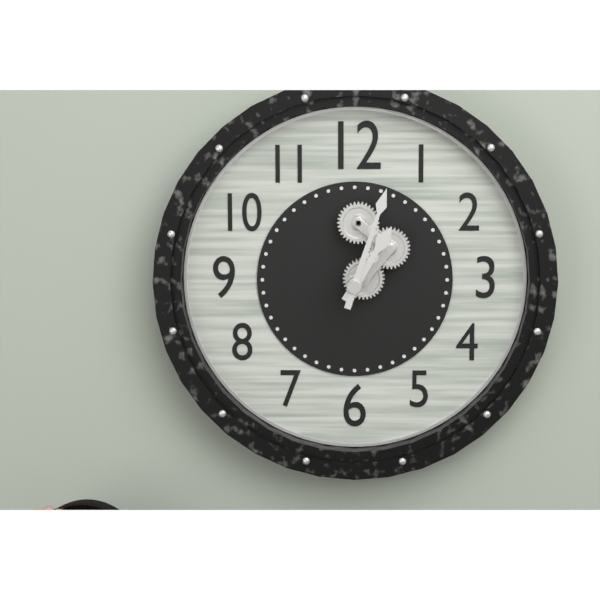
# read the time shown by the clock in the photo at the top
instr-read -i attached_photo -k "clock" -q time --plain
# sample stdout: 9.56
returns 1.03
